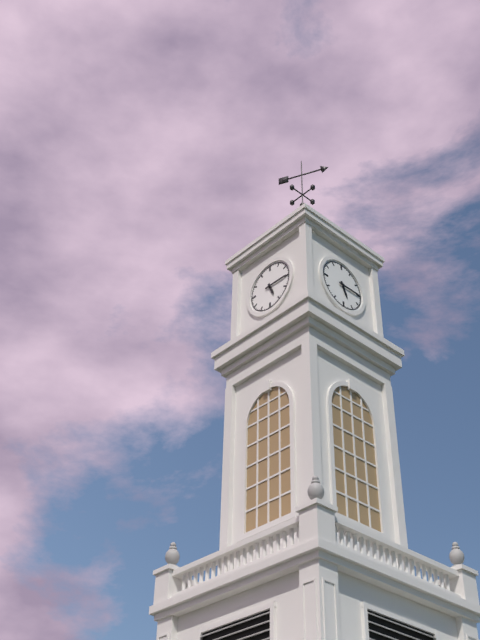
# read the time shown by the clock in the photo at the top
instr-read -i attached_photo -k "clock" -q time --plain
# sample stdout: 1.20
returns 5.15
